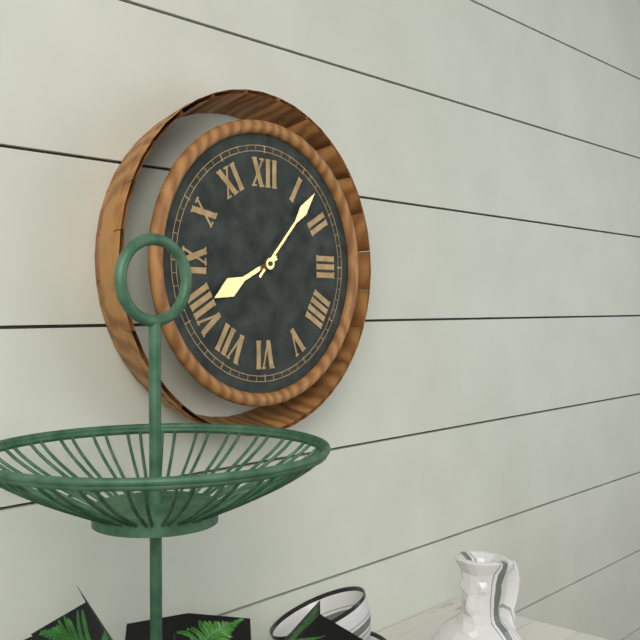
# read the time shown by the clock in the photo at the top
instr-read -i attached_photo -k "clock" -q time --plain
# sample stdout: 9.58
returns 8.07
